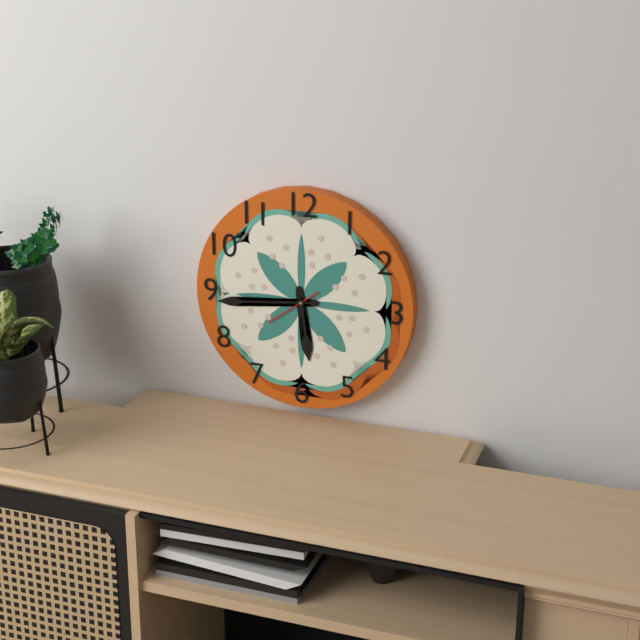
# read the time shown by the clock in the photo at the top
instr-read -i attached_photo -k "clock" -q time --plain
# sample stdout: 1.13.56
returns 5.44.39
